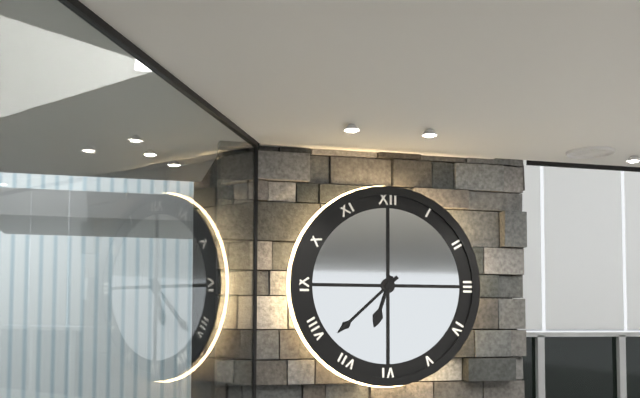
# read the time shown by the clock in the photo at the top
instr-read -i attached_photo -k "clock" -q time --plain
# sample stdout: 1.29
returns 6.38
